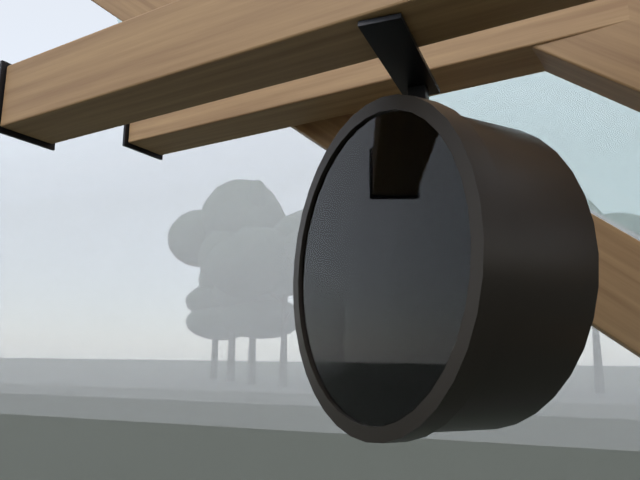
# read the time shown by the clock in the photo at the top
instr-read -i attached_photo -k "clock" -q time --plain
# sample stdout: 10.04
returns 3.01
